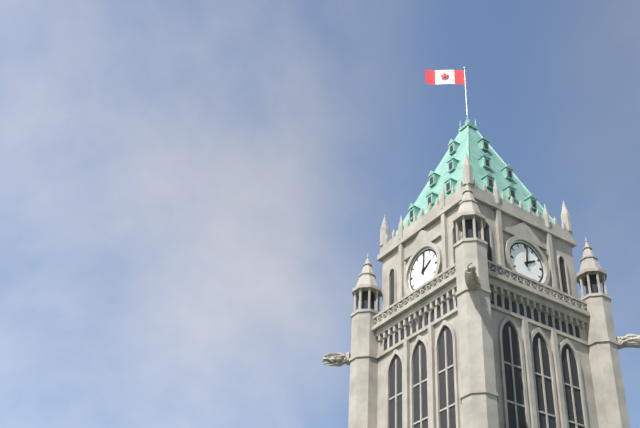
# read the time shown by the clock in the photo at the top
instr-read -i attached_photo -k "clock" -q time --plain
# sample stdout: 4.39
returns 2.01
